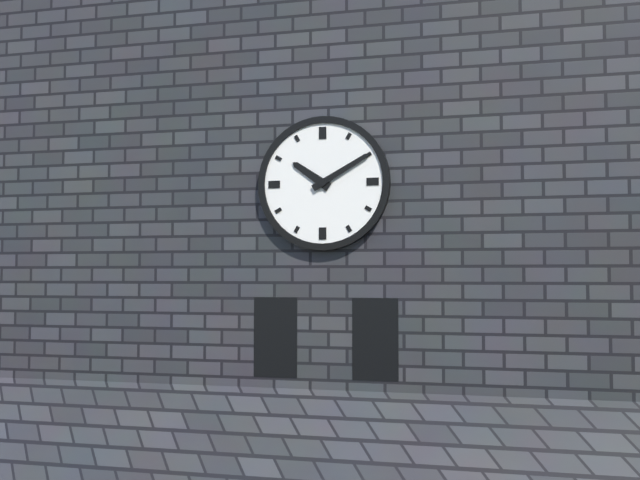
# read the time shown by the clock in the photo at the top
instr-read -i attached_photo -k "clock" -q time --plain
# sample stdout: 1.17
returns 10.10
